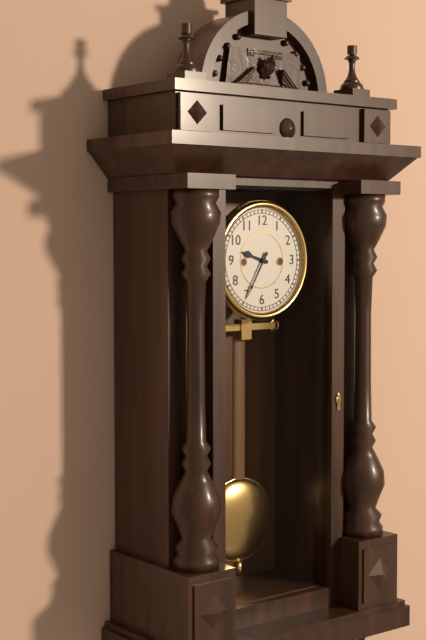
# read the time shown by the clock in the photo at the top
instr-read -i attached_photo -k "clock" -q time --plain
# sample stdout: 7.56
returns 9.35
